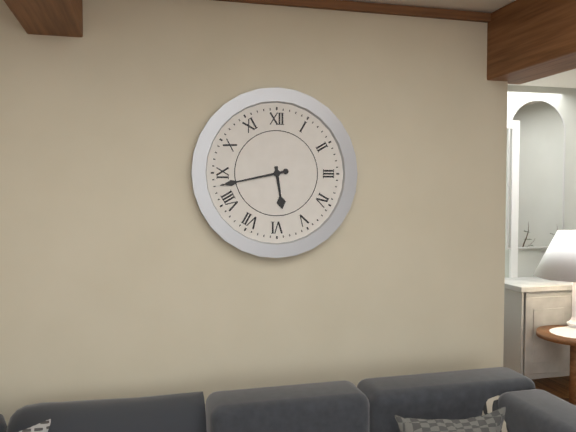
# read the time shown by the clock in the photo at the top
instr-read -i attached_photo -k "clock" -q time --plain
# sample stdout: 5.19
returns 5.43
